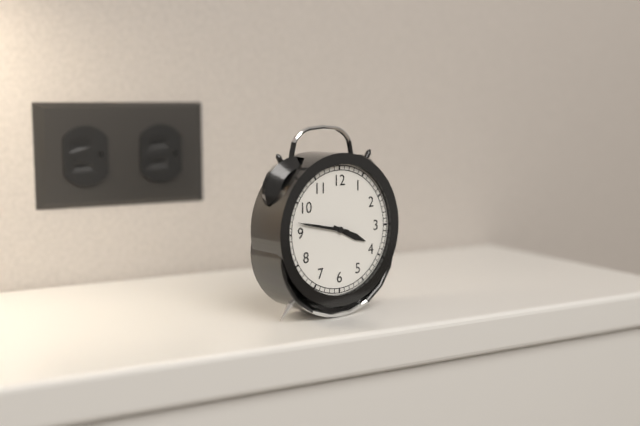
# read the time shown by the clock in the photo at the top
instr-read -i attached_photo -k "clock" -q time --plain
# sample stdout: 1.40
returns 3.47
